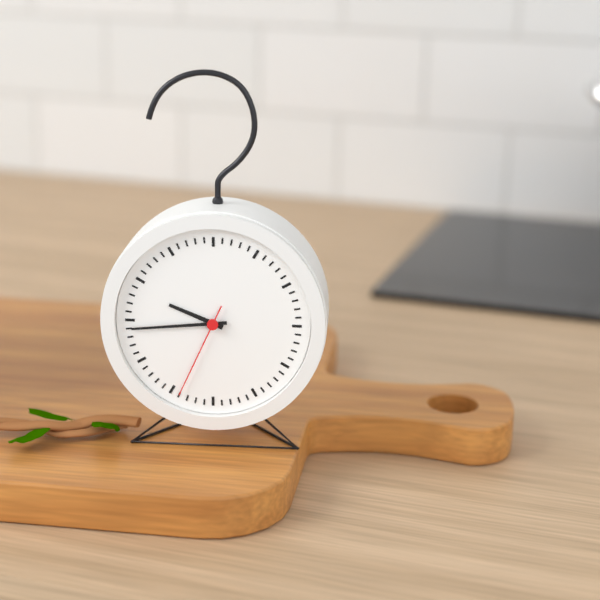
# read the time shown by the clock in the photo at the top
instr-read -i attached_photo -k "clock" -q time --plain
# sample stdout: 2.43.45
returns 9.44.34
